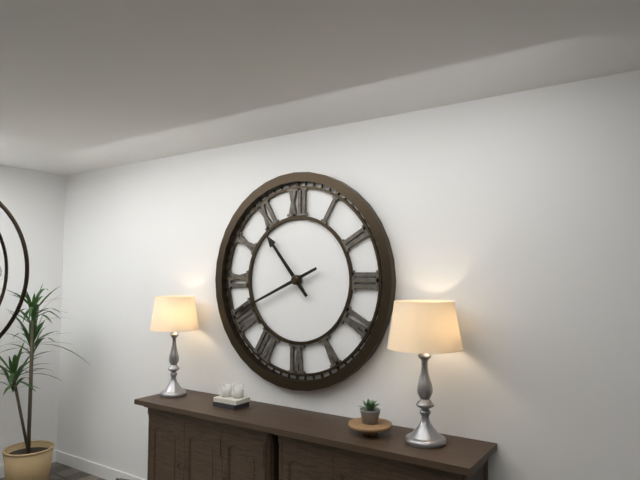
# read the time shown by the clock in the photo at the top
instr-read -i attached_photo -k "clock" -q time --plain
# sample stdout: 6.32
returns 10.41
